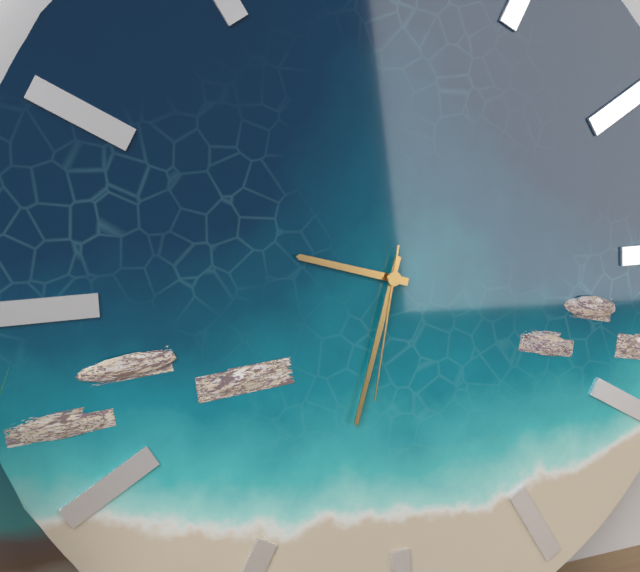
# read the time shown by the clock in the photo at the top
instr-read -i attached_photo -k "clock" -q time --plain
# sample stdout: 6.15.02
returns 9.33.32
